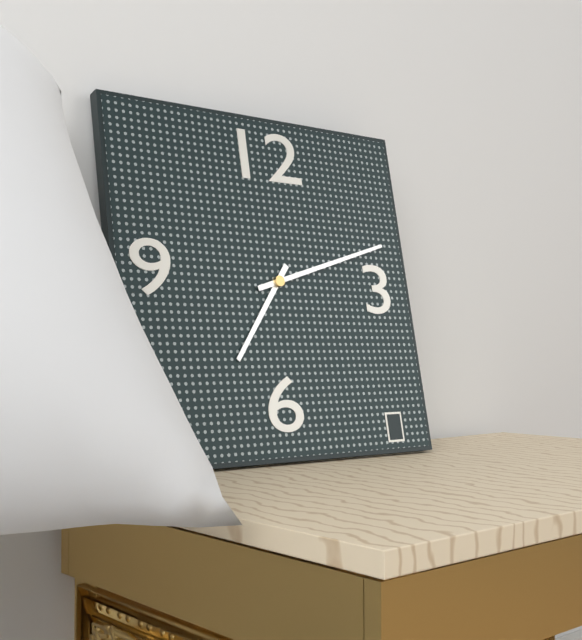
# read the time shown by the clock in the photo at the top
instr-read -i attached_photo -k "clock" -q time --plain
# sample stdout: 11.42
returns 7.12
